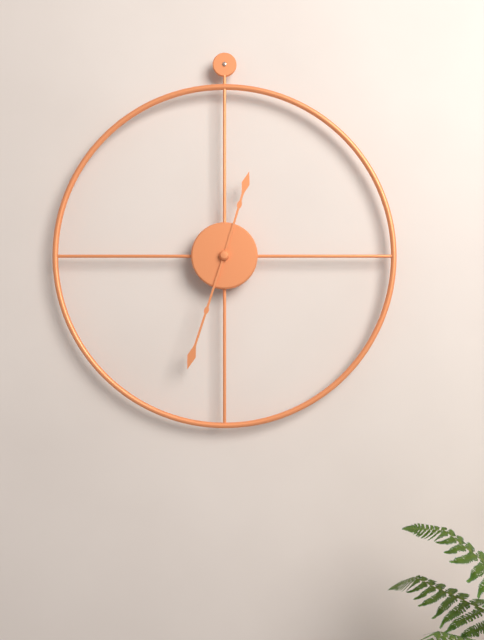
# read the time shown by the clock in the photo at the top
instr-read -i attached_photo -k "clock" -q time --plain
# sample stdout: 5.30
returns 12.33
